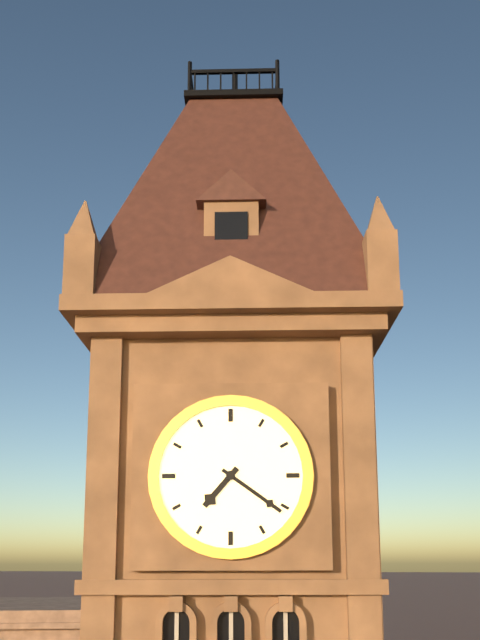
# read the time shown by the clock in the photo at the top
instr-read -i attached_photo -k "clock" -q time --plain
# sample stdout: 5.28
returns 7.21
